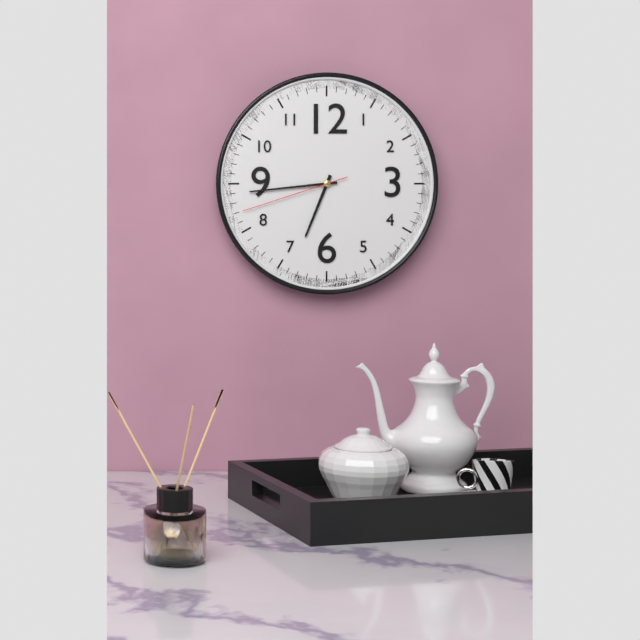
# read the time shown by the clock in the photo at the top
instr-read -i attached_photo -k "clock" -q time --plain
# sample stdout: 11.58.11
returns 6.44.42
